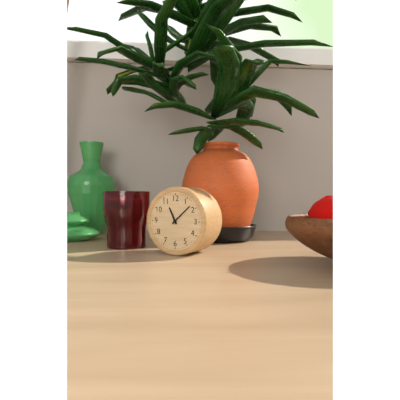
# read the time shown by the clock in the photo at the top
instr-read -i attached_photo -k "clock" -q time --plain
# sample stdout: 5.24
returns 11.08
